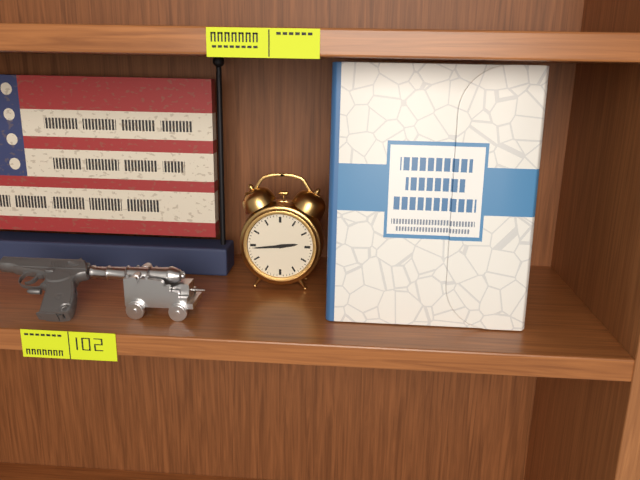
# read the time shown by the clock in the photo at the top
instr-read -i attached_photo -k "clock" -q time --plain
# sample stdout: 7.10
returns 2.44
